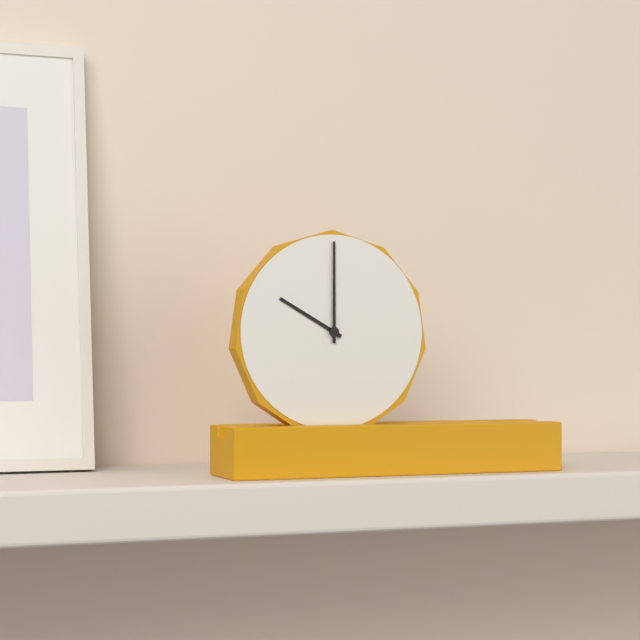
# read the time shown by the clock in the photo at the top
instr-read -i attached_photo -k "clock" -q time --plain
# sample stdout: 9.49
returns 10.00
